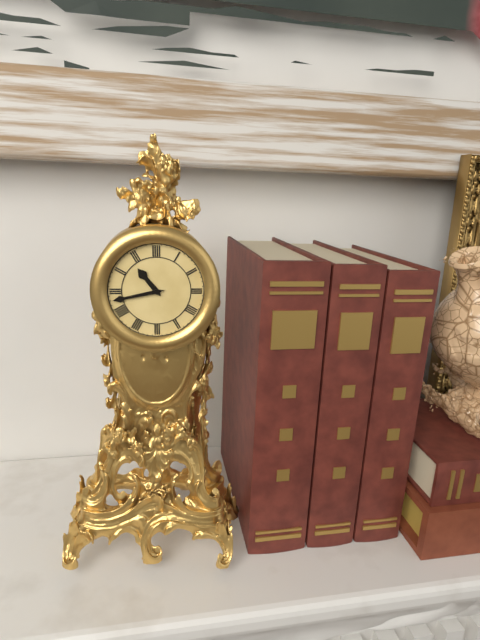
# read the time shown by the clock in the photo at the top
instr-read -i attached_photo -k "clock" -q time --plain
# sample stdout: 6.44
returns 10.43
